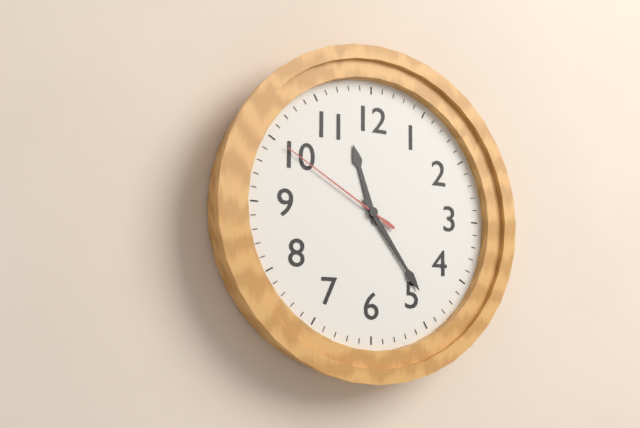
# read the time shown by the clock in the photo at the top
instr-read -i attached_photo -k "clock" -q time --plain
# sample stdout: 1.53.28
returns 11.24.50
